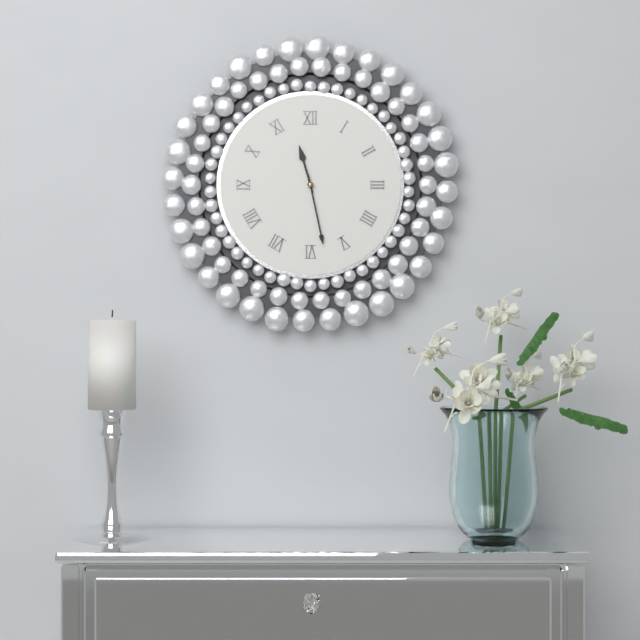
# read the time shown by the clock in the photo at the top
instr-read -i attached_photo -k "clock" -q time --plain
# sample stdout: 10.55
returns 11.28
